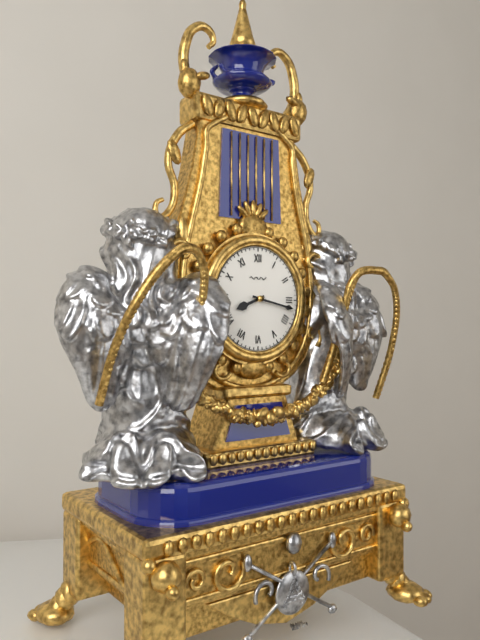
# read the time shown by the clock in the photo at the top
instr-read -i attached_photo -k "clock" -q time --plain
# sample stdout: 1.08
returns 8.17
